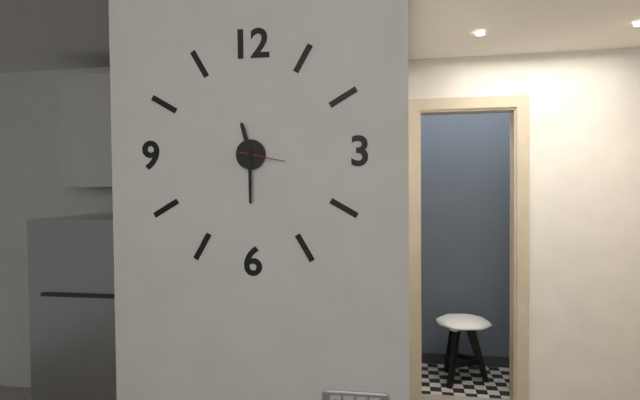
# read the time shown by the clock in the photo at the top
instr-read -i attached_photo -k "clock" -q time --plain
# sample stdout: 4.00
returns 11.30
